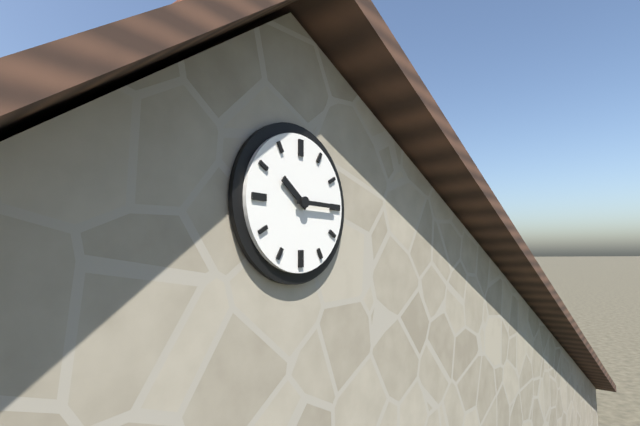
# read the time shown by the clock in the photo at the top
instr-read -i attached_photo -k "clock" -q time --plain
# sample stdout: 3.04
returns 10.15
